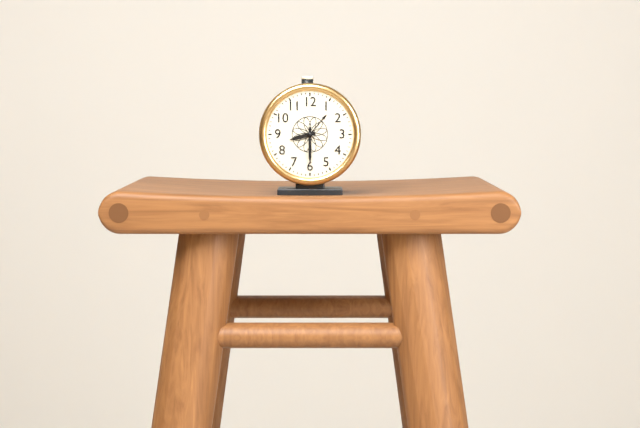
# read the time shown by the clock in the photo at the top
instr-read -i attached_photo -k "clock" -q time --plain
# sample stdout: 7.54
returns 8.30
